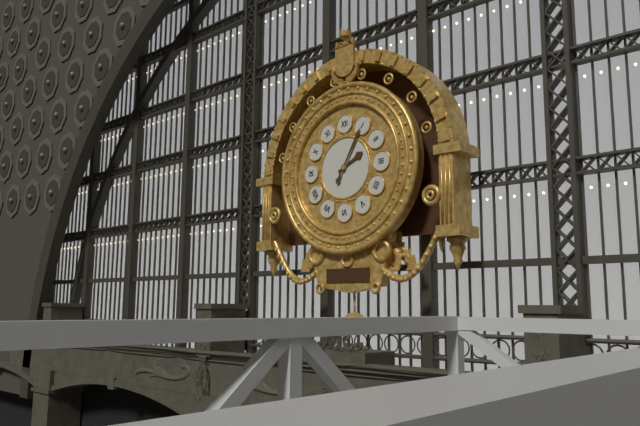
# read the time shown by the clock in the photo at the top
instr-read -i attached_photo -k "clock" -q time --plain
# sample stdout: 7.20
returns 2.05
